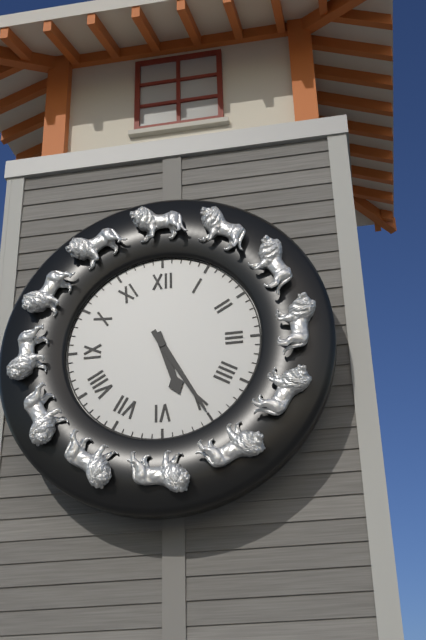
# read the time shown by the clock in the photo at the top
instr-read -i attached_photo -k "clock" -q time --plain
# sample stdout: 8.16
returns 5.25
